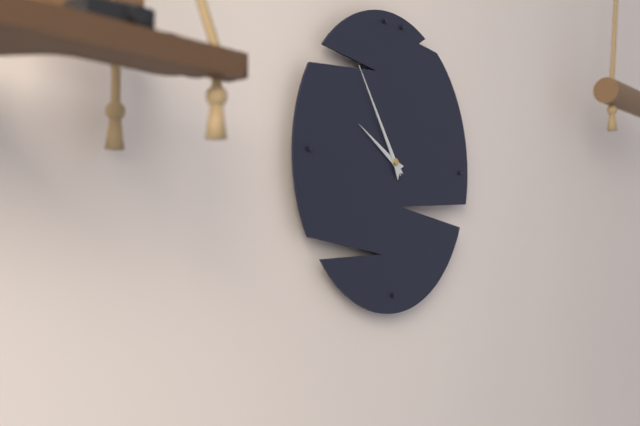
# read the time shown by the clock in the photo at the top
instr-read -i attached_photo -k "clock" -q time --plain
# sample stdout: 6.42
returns 9.54
